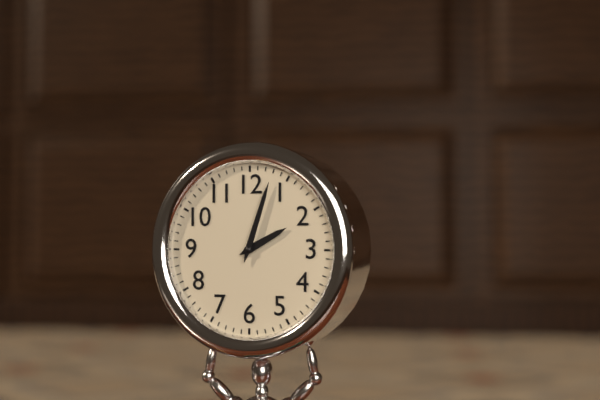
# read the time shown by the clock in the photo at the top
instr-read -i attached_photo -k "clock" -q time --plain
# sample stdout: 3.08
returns 2.03
